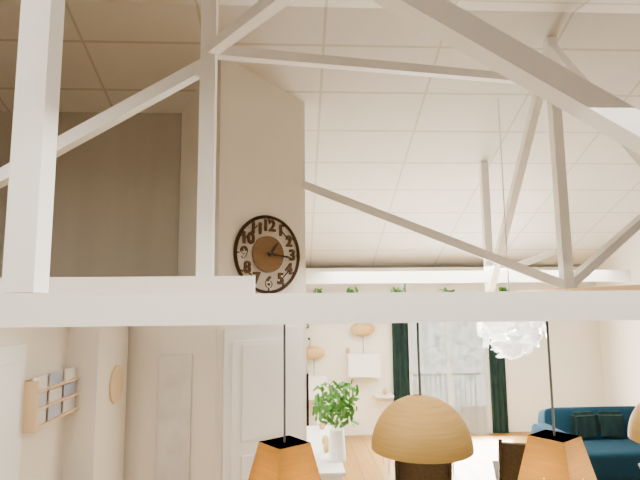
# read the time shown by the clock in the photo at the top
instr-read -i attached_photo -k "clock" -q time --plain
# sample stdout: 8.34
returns 1.16
